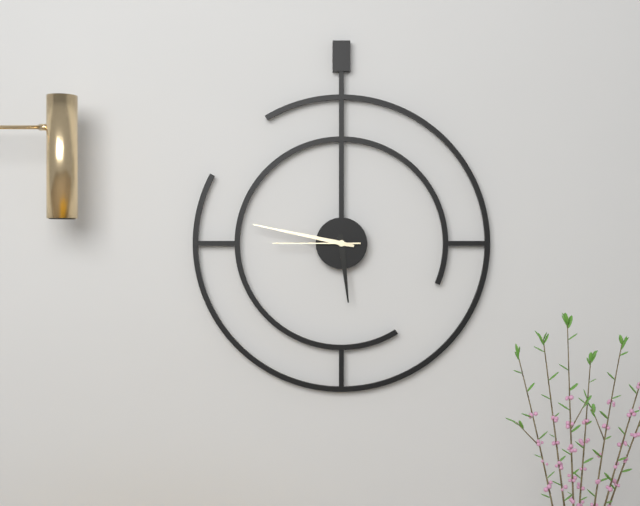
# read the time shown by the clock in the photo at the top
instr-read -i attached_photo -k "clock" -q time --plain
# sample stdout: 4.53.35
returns 5.47.45
